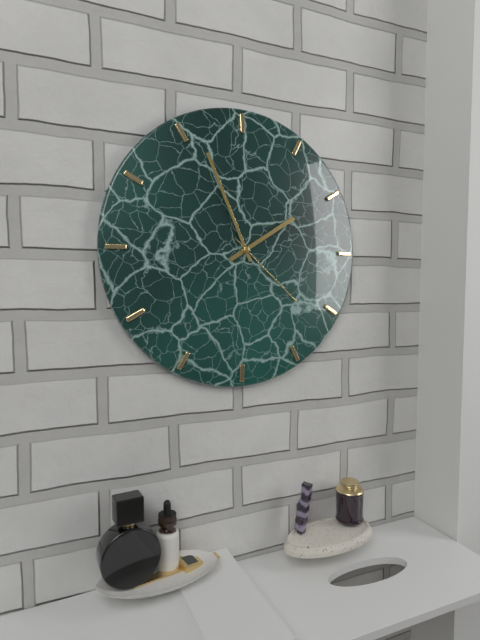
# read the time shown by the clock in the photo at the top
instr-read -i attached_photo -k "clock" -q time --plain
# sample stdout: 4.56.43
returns 1.56.22
